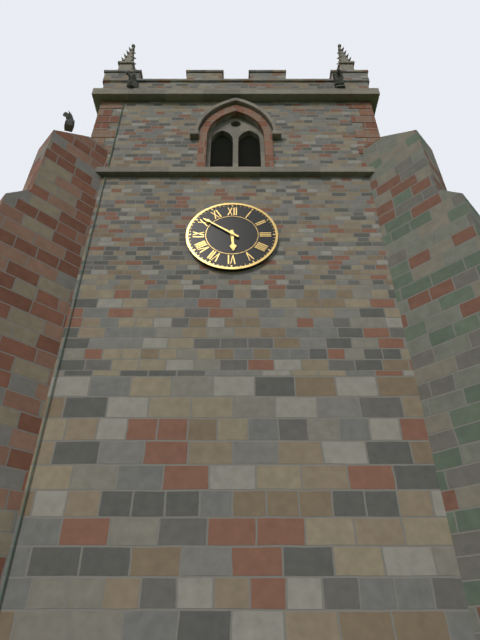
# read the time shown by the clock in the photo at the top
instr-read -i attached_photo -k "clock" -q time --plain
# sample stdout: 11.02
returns 5.51
